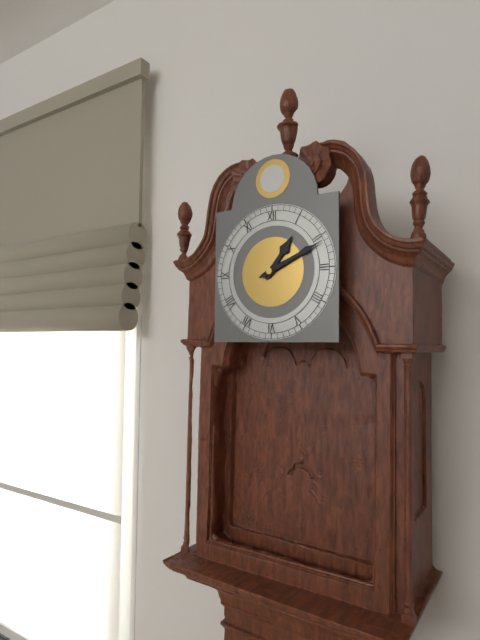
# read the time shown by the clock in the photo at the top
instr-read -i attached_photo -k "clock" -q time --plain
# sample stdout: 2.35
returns 1.11
